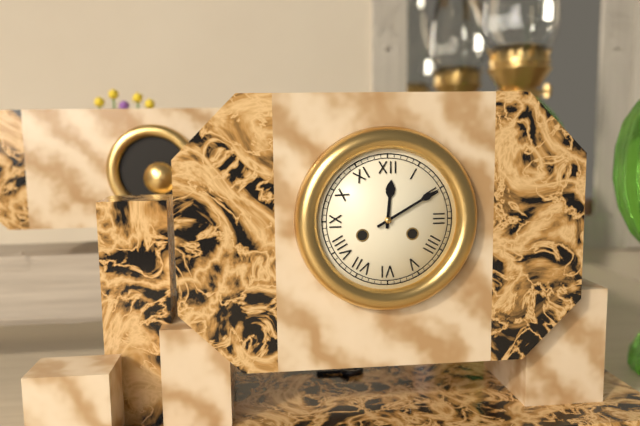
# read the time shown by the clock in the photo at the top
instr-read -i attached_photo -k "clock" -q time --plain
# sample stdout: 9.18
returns 12.10
